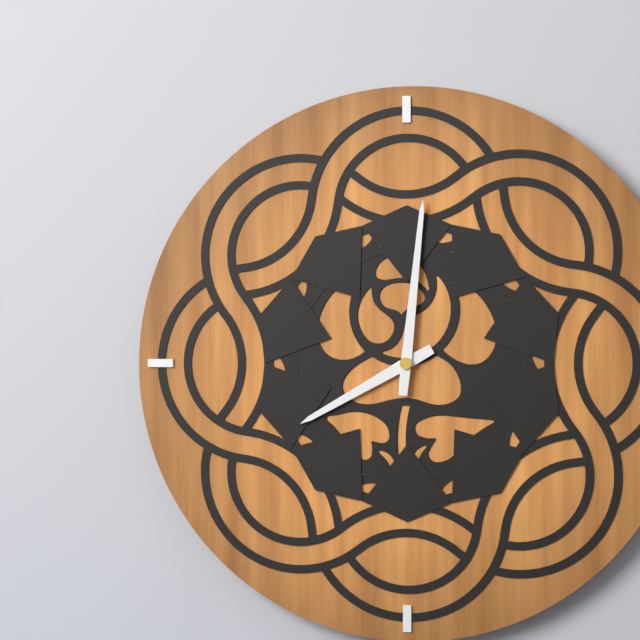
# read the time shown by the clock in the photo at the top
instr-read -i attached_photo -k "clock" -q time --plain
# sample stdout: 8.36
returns 8.01
